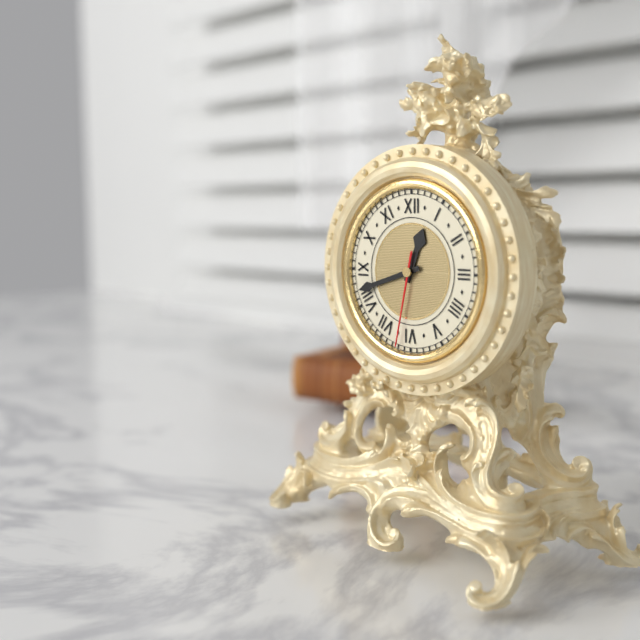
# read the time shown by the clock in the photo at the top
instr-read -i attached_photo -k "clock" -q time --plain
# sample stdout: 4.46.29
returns 12.42.32
